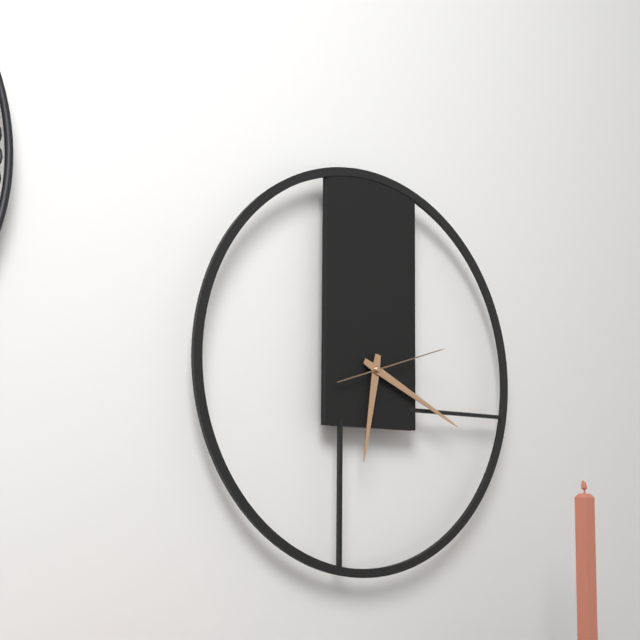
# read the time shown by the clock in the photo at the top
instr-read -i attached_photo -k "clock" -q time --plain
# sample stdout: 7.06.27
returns 6.19.12
